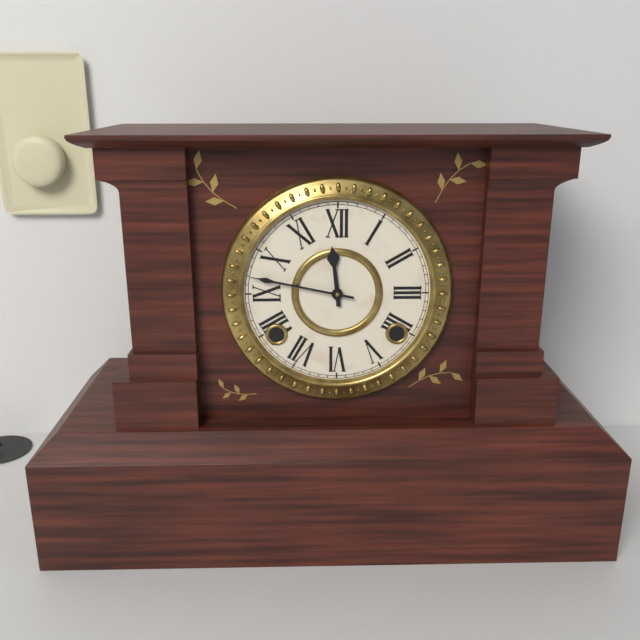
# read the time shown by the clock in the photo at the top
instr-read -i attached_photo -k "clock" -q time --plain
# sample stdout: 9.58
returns 11.47
